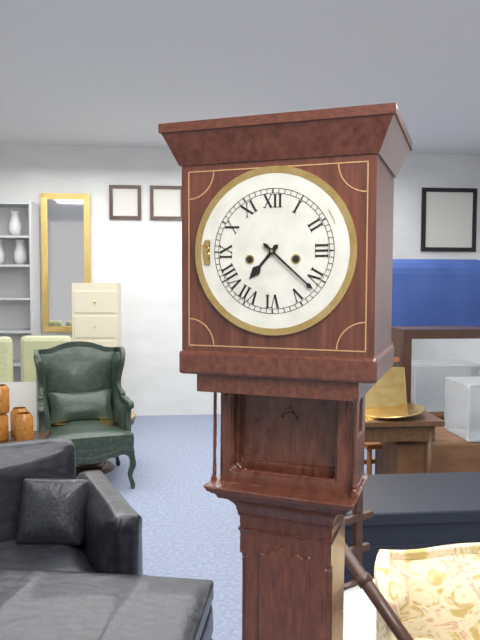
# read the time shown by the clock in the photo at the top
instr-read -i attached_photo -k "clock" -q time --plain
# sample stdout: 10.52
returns 7.22
